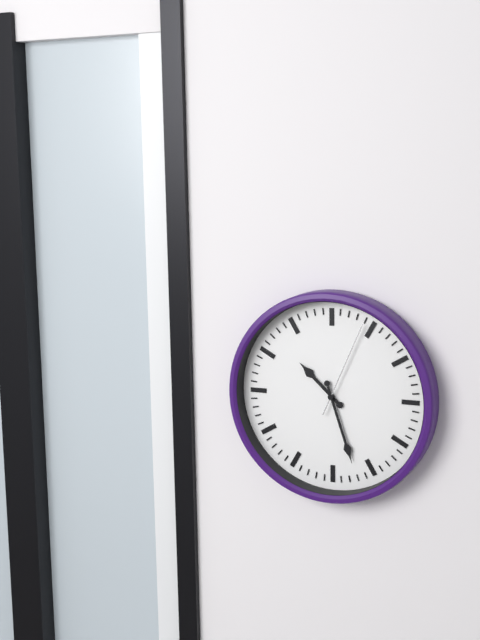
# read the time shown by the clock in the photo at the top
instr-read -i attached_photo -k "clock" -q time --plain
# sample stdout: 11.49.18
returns 10.27.04
